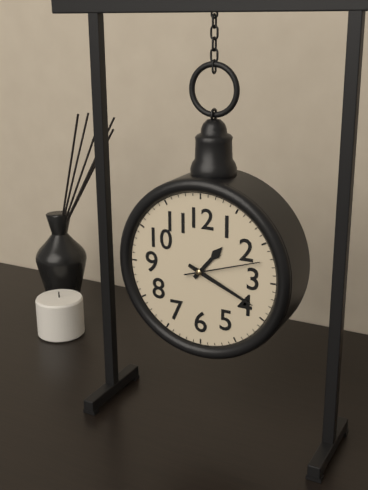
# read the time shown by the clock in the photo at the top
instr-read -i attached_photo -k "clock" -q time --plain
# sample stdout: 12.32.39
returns 1.19.12
